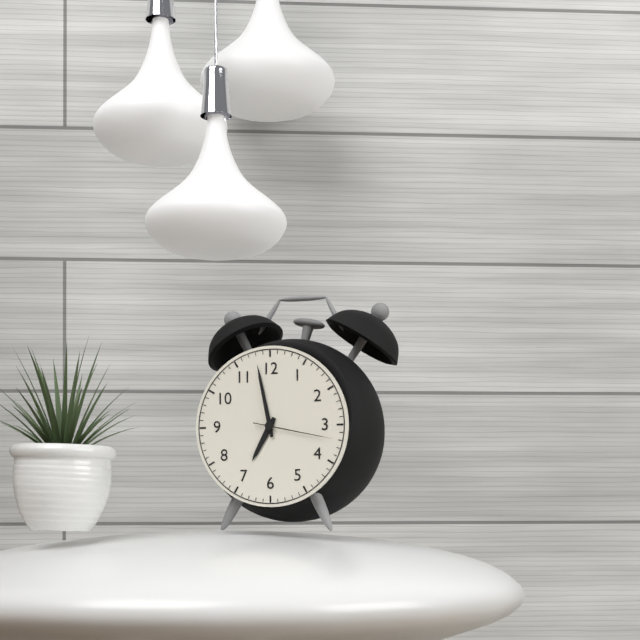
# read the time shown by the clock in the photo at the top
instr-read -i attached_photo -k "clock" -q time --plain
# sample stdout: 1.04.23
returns 6.58.17
